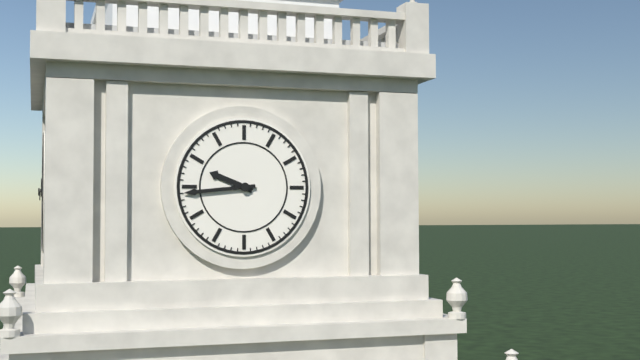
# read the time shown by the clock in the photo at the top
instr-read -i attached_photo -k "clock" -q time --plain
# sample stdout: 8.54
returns 9.44
